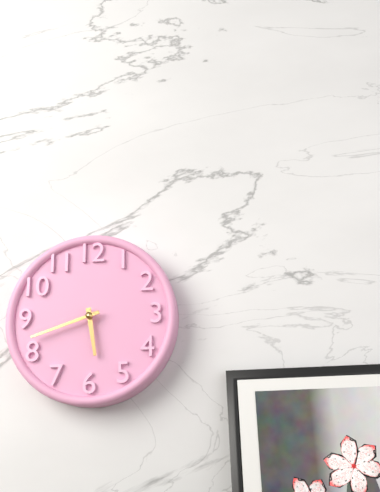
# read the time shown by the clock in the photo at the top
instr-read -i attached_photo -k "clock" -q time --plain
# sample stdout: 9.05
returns 5.42
